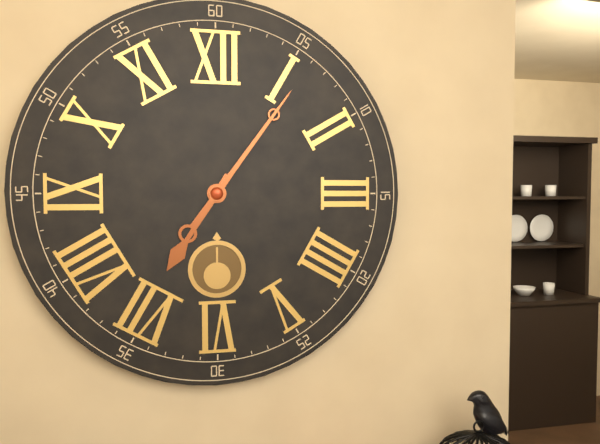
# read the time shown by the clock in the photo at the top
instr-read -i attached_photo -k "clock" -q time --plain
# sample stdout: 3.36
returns 7.06
